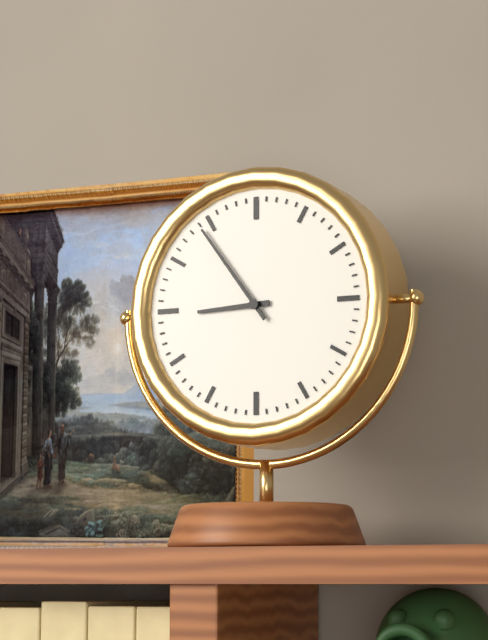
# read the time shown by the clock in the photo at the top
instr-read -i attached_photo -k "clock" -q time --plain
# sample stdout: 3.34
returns 8.54
